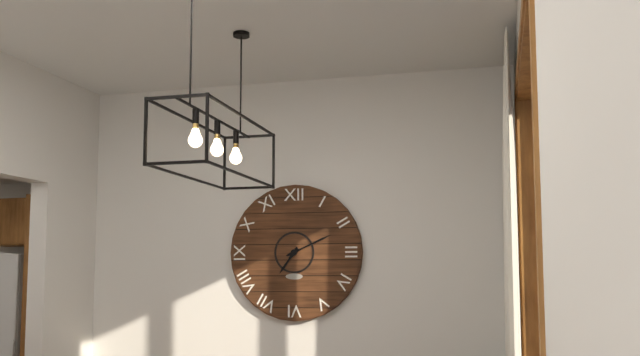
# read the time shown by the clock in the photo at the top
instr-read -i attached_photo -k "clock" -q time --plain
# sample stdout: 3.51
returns 7.11
